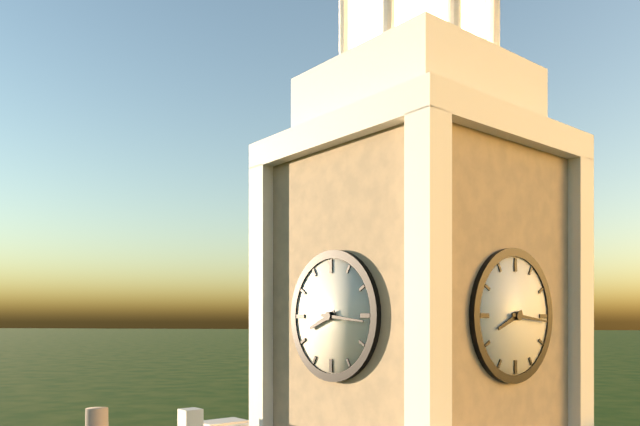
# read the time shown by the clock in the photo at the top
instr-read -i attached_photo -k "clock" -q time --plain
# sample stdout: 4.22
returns 8.16
